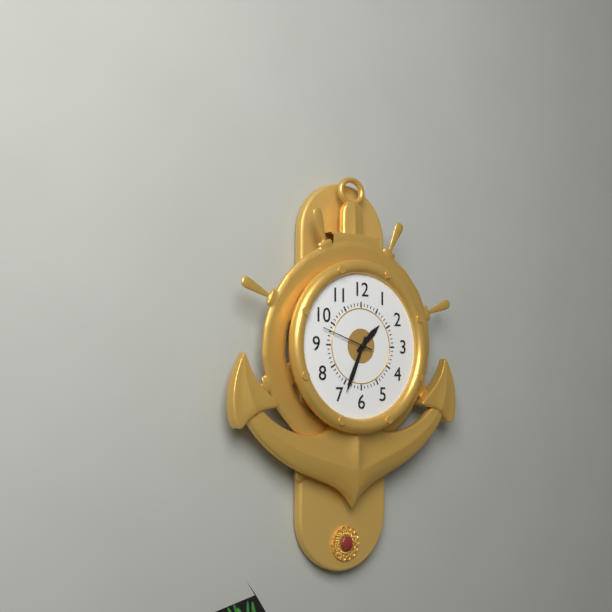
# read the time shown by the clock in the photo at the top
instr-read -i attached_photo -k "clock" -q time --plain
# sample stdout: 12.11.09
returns 1.34.48
